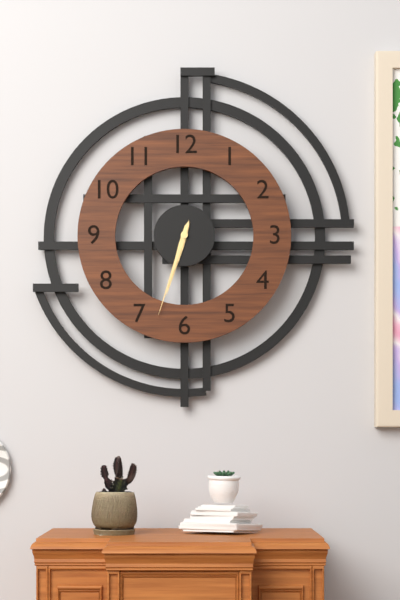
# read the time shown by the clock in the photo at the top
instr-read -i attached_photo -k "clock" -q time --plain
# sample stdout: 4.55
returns 6.33
